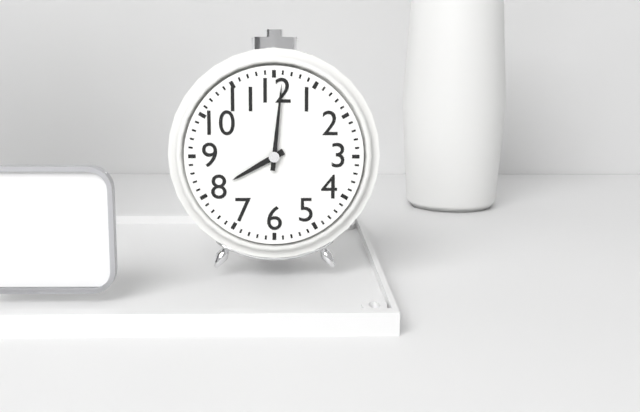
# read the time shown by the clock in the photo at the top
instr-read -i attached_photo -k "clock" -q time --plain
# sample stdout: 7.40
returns 8.01
